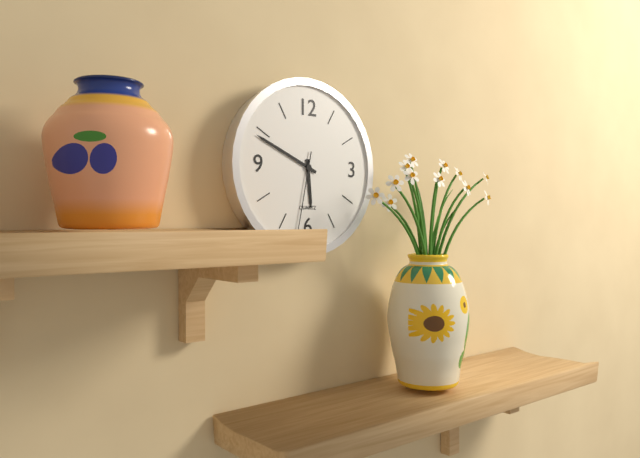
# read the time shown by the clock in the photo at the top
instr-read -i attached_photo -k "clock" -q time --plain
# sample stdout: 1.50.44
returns 5.49.32
